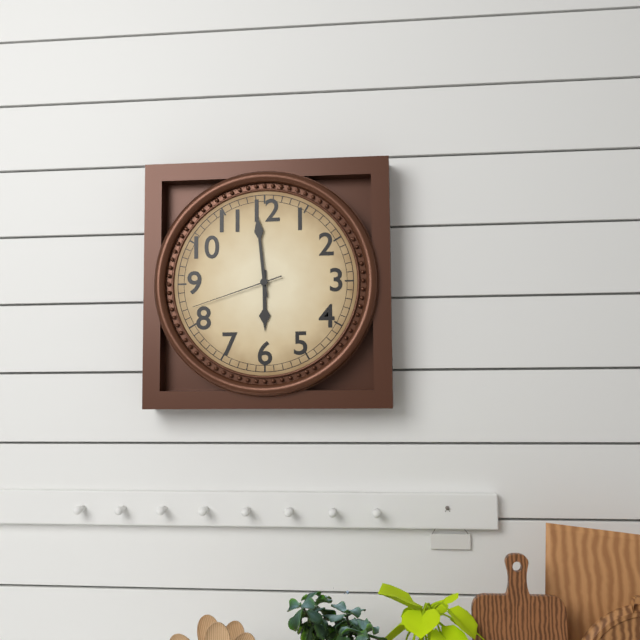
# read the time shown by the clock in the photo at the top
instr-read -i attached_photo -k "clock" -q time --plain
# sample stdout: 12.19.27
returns 5.59.42
